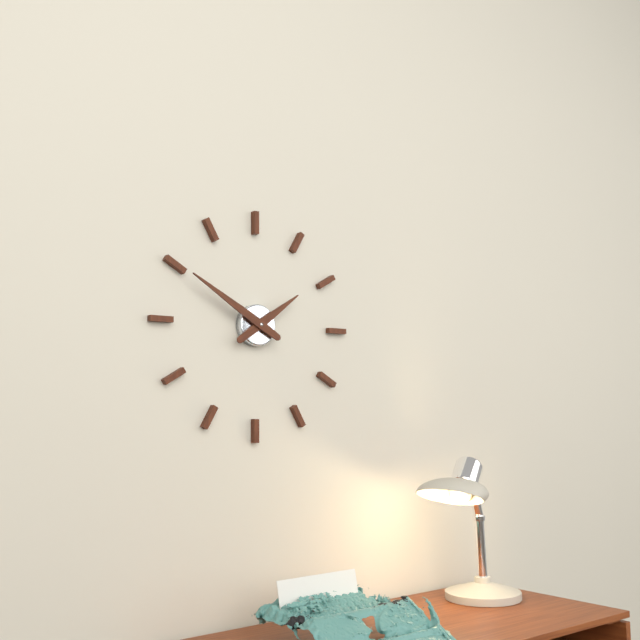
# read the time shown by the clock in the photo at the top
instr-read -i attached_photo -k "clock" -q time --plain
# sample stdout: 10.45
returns 1.50
